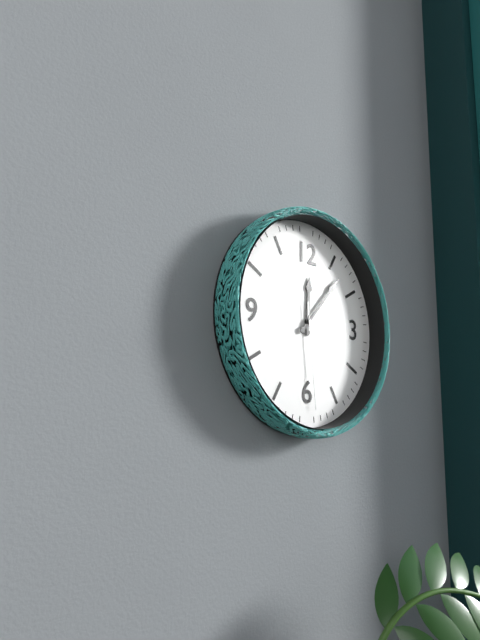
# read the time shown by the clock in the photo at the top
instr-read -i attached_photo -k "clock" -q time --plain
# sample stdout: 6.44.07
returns 12.07.29
